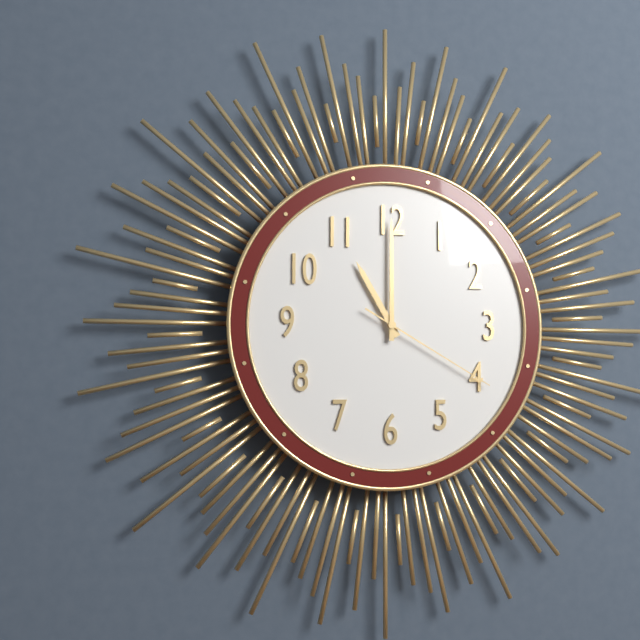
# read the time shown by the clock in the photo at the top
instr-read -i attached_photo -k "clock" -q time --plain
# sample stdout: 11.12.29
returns 11.00.20
